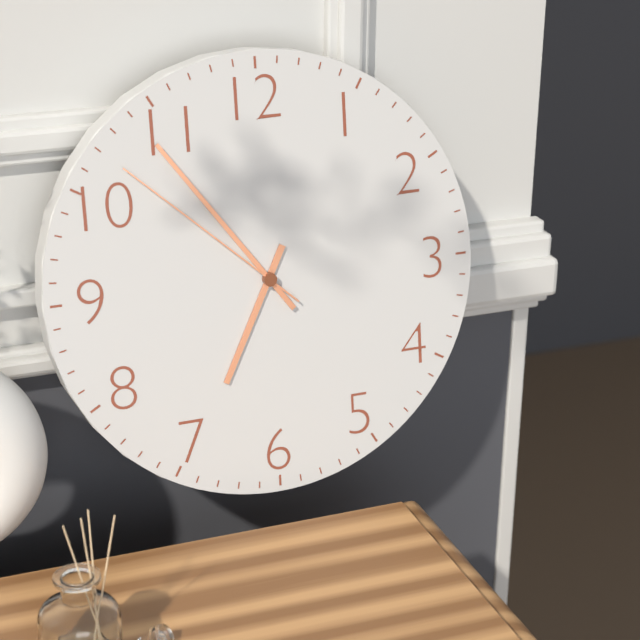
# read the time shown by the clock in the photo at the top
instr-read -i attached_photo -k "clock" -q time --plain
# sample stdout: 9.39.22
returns 6.54.52
